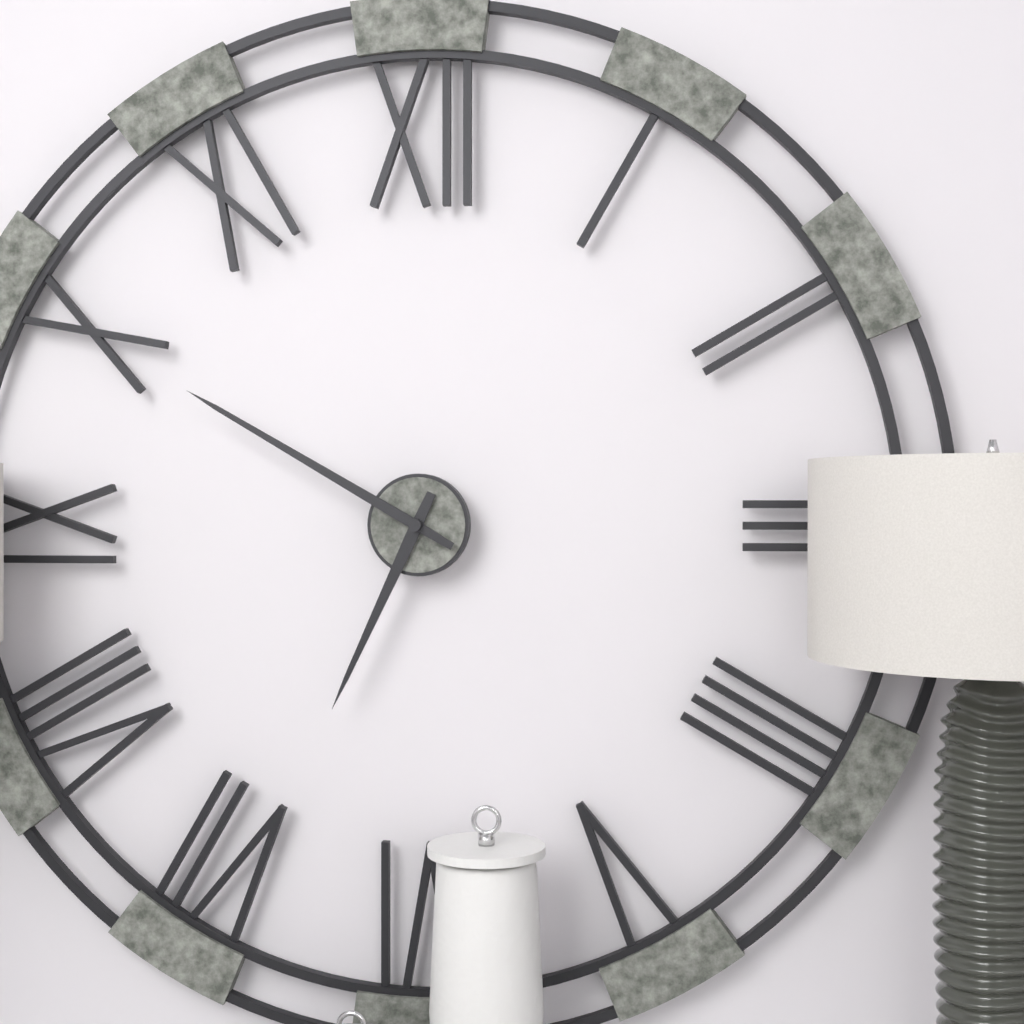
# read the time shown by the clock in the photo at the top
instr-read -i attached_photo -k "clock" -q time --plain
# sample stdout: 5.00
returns 6.50
